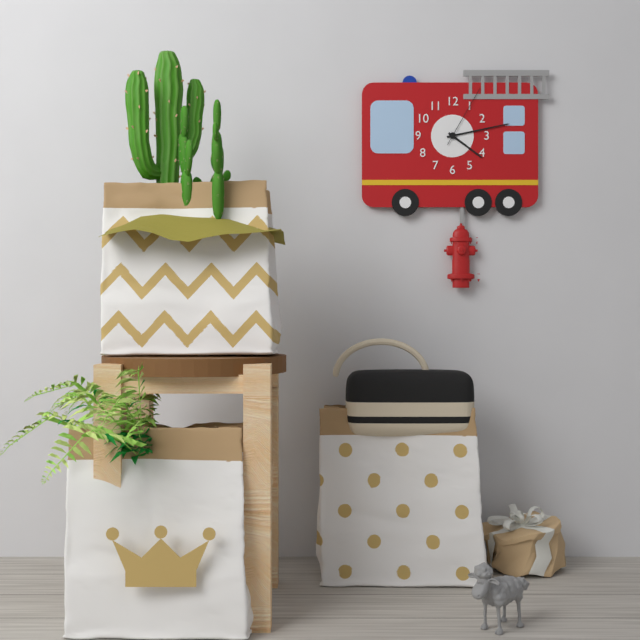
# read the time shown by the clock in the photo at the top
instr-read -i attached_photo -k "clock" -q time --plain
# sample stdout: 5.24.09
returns 4.13.05
